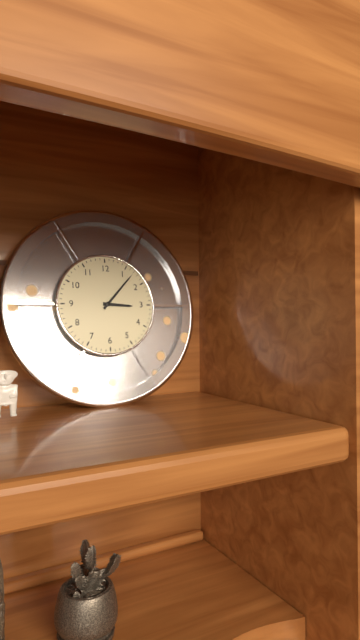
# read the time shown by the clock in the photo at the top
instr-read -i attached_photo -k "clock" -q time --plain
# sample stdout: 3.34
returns 3.07
